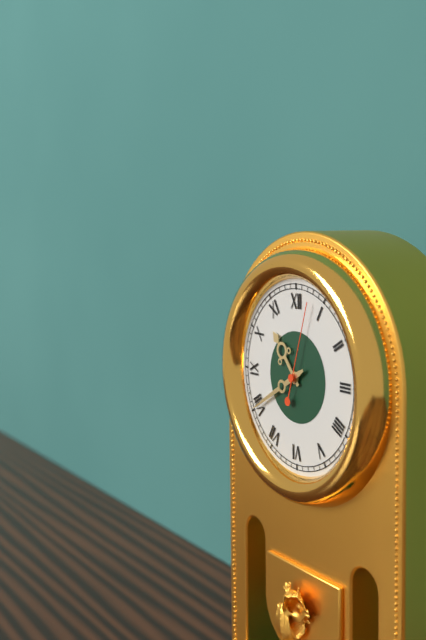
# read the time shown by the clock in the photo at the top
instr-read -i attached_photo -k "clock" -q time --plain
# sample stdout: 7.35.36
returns 10.40.03
